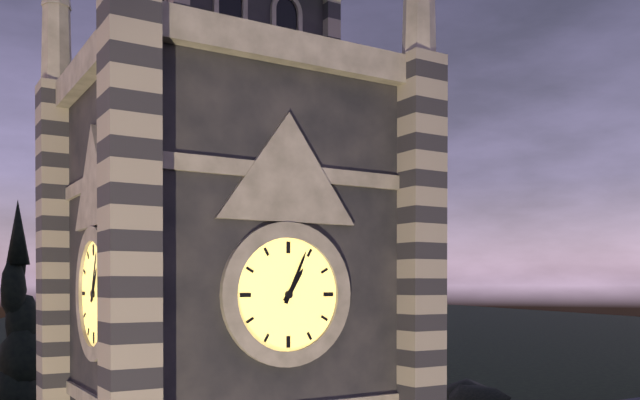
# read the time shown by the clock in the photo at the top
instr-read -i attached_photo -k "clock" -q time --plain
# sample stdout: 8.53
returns 1.04
